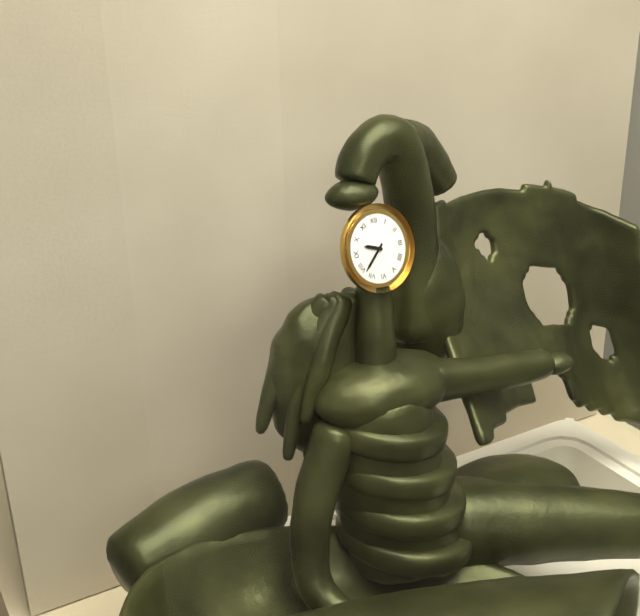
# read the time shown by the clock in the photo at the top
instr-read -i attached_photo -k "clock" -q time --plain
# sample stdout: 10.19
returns 9.38
